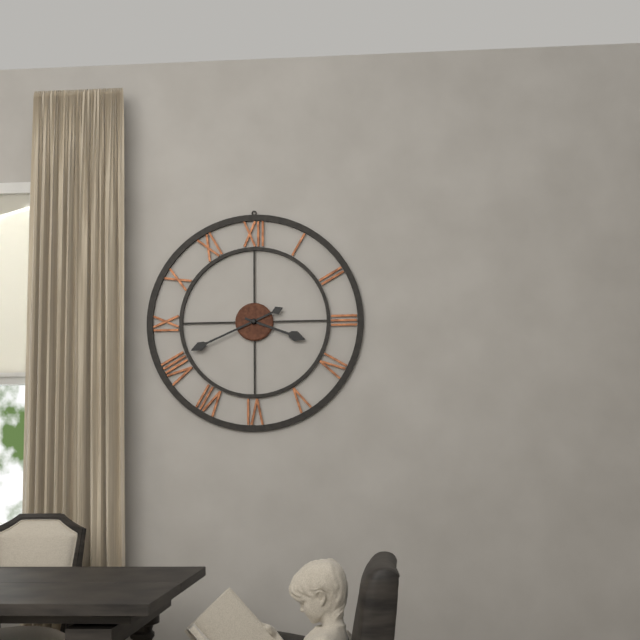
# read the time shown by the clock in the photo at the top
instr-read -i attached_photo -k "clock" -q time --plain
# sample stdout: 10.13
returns 3.41
